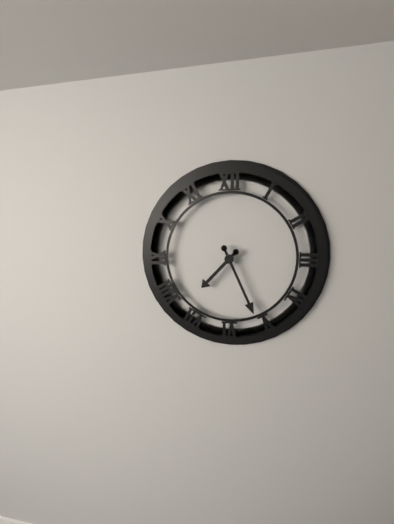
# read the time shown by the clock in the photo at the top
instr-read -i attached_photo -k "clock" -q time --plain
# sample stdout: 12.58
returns 7.26
